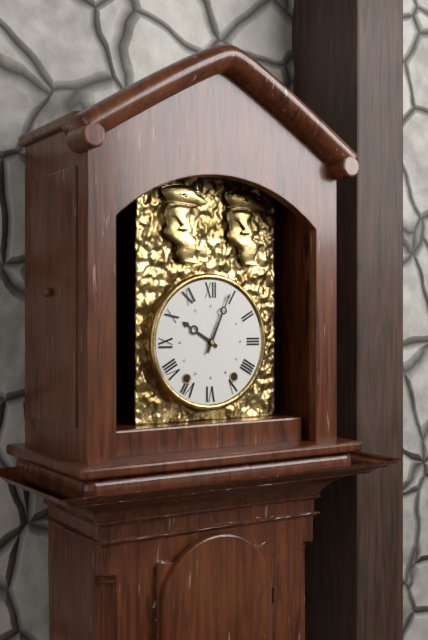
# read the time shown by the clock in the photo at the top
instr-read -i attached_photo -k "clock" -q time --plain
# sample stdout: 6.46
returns 10.04
